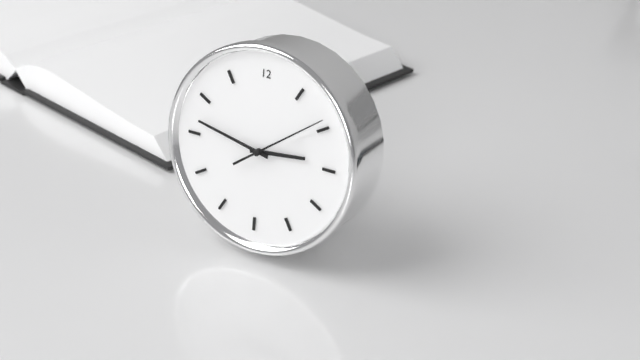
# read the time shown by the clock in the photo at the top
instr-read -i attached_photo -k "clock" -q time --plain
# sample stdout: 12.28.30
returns 2.47.09
